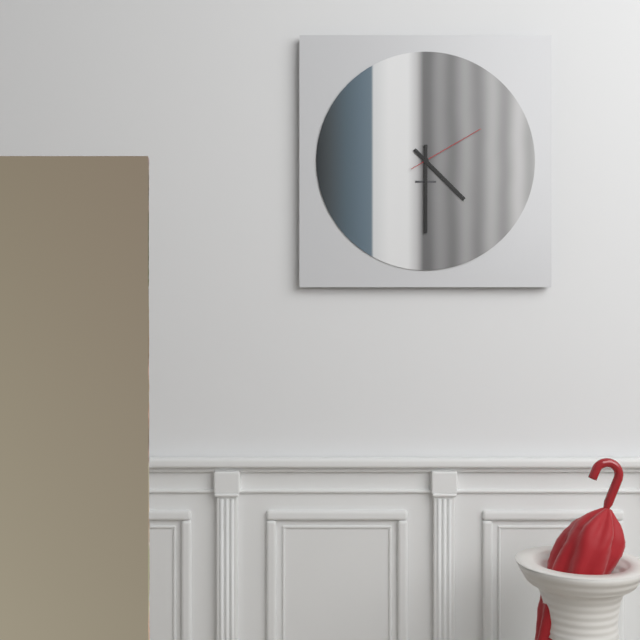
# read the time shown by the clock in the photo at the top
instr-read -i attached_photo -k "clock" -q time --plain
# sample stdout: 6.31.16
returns 4.30.10
